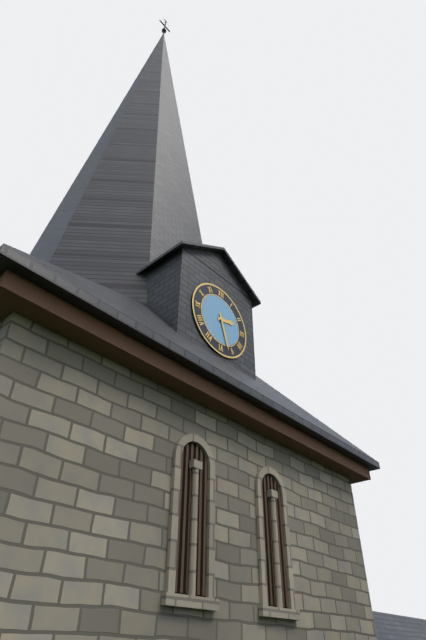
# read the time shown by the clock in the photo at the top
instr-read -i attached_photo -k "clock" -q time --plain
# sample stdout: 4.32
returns 2.27
